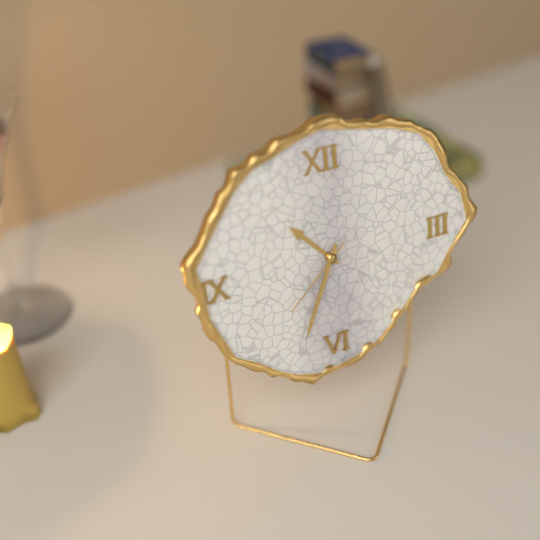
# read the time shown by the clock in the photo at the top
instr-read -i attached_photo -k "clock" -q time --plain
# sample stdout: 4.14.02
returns 10.34.38
